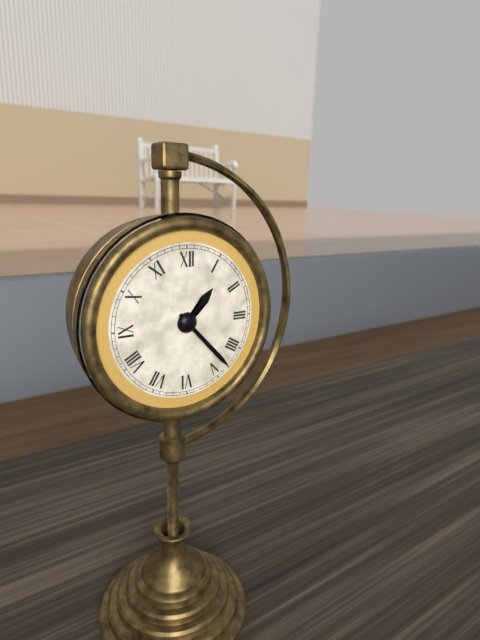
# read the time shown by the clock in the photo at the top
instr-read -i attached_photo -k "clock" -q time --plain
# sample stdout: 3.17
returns 1.23
